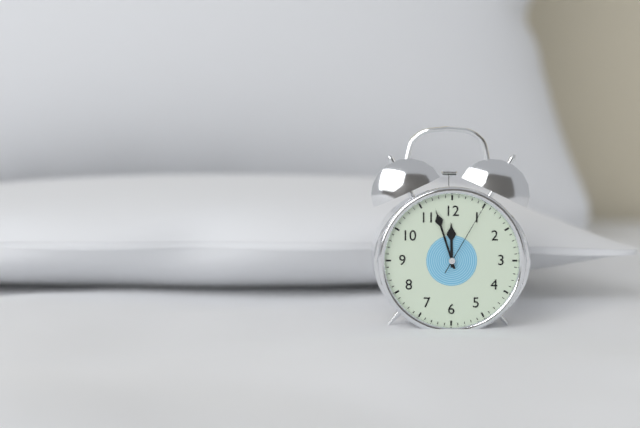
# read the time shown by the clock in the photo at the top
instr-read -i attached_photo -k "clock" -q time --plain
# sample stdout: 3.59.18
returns 11.57.05
